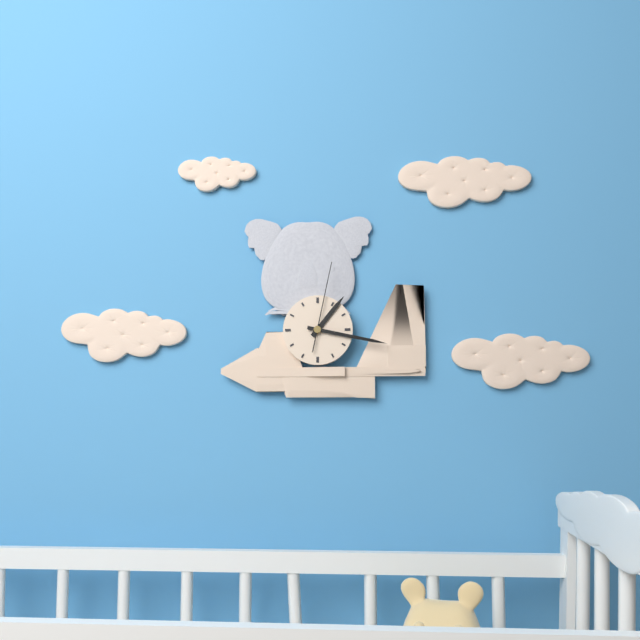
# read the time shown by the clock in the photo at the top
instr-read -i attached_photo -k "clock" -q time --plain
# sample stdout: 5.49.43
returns 1.17.02
